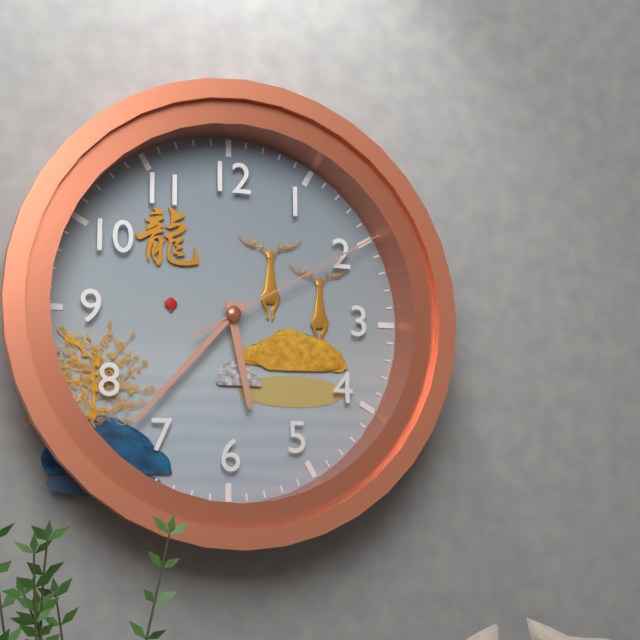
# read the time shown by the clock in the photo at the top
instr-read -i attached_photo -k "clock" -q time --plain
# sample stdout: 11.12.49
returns 5.37.10
